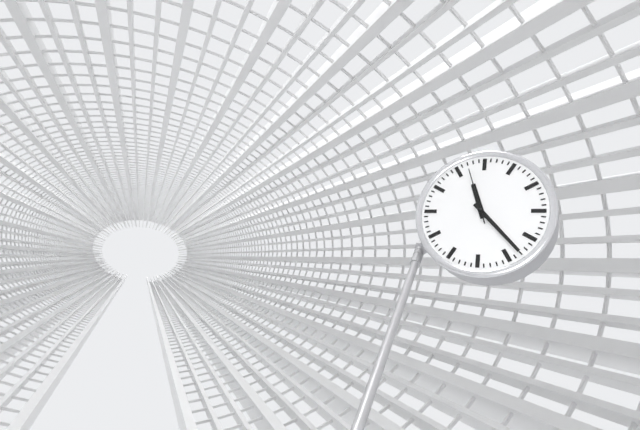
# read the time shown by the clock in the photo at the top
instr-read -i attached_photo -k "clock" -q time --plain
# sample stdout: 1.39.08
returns 11.23.57
